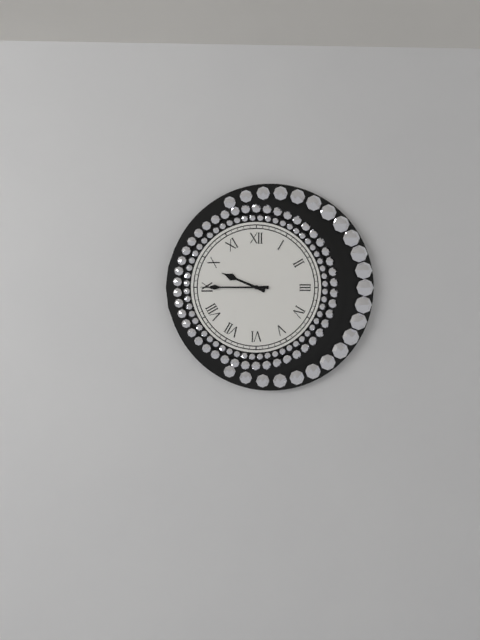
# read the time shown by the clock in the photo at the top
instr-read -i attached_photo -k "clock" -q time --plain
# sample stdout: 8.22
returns 9.45
